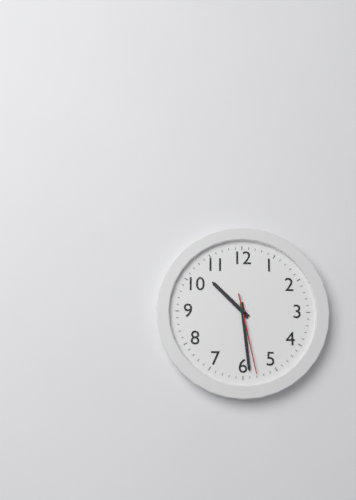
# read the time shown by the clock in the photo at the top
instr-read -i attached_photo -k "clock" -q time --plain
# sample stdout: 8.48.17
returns 10.29.28
